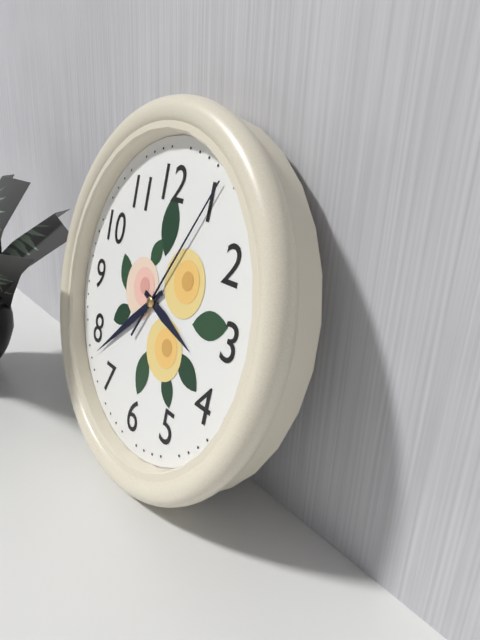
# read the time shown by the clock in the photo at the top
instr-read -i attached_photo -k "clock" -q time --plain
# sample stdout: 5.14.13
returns 3.38.05
